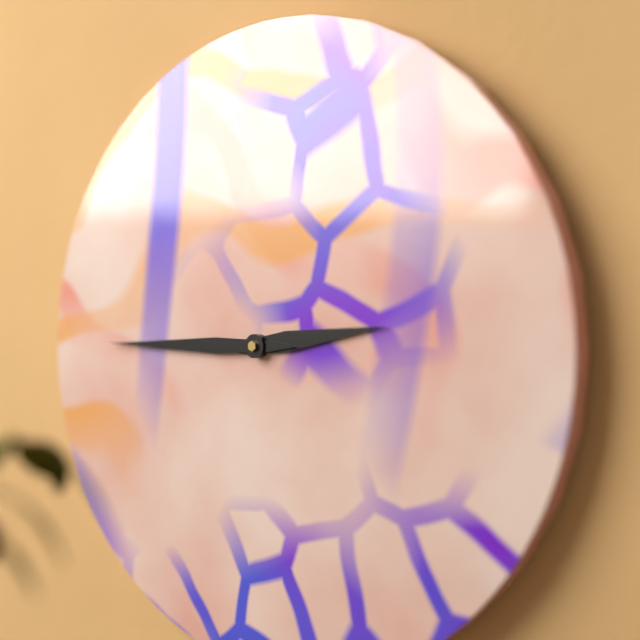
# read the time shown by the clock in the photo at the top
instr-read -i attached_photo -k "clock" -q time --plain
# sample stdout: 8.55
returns 2.45
